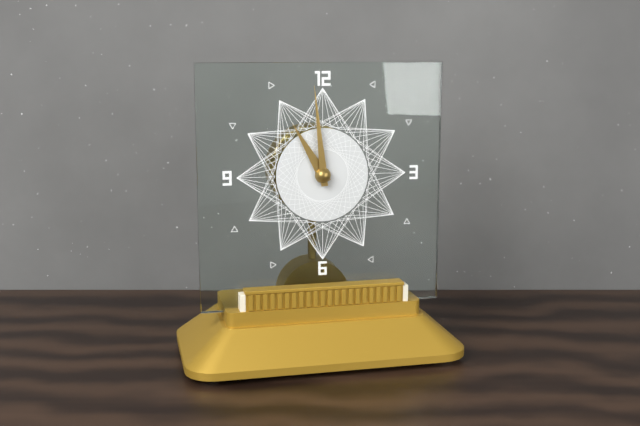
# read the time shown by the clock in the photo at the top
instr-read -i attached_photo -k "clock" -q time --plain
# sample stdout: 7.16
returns 10.59
